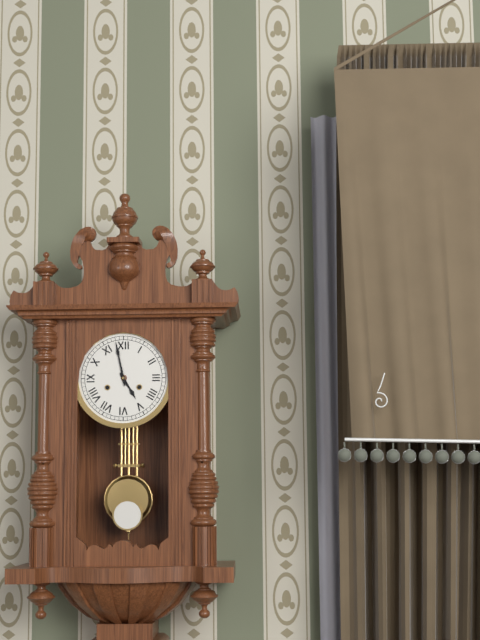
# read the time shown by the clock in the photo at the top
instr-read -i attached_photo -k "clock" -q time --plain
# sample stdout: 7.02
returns 4.58
